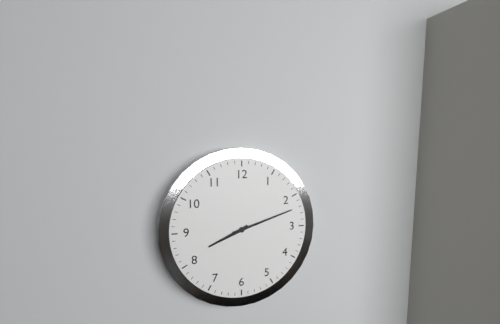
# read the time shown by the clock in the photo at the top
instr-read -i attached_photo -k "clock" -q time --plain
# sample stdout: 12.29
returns 8.12
